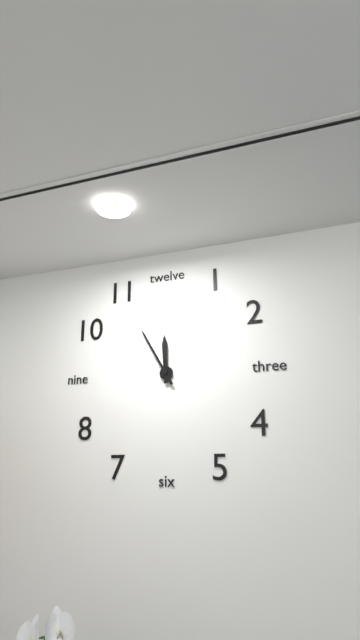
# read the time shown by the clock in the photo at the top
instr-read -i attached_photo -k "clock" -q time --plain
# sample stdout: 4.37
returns 11.55
